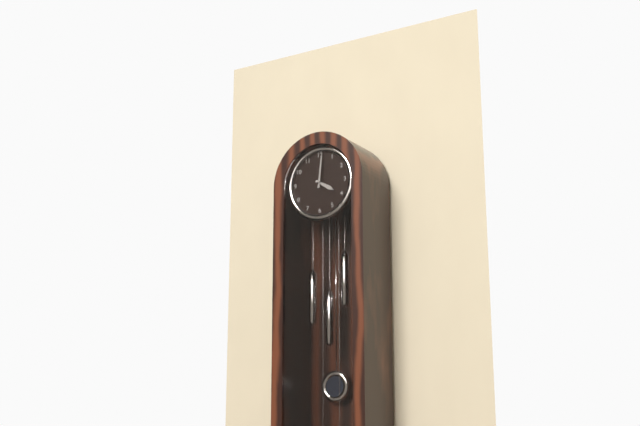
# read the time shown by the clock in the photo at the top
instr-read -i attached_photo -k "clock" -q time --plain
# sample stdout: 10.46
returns 4.01
